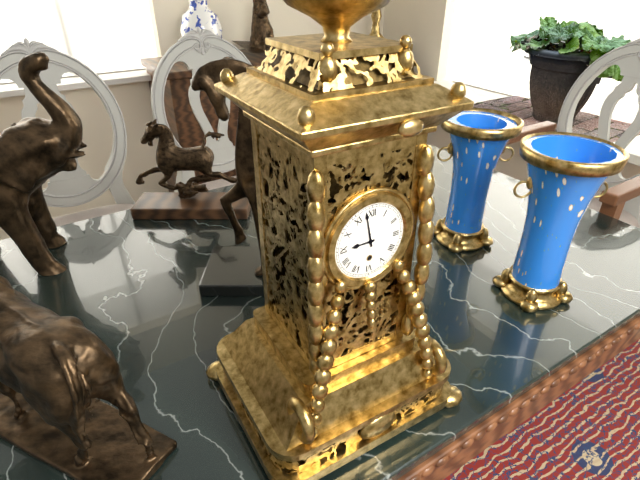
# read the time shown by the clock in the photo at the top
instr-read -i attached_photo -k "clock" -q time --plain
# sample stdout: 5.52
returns 8.58
